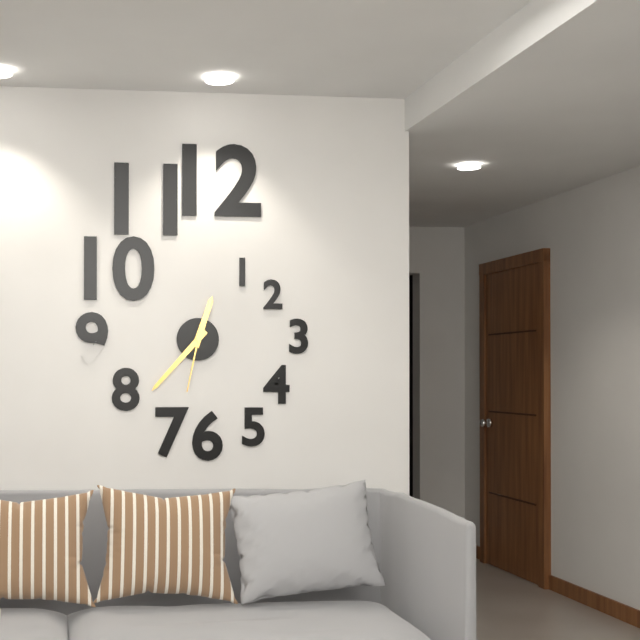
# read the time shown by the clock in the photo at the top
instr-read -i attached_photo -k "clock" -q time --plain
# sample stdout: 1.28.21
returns 12.37.32
